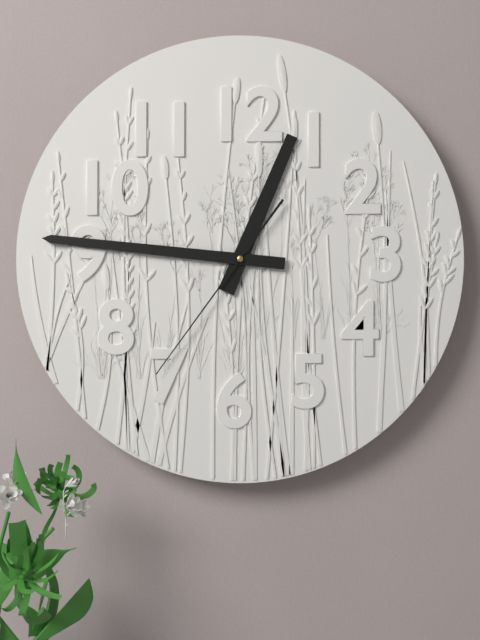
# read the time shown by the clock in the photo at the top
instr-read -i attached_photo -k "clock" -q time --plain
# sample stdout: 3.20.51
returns 12.46.36
